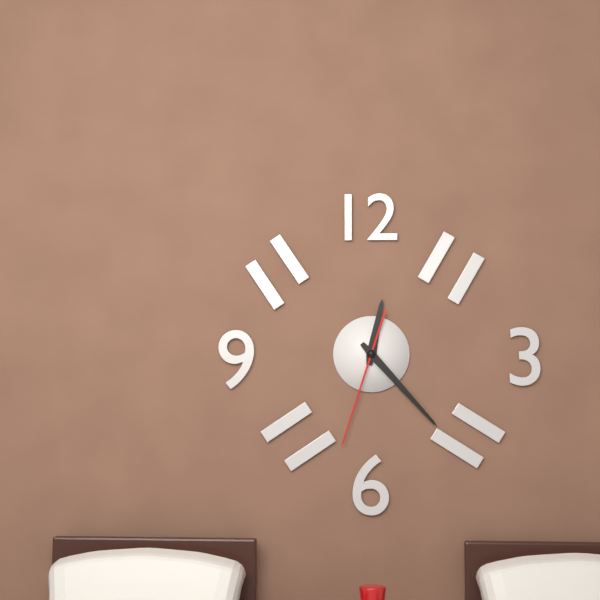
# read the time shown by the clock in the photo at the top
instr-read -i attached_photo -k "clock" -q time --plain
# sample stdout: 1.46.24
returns 12.23.33
